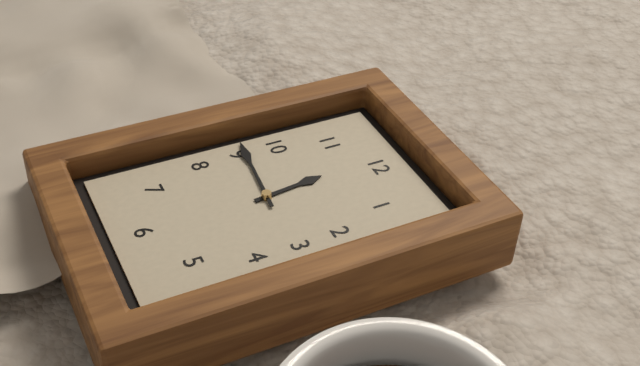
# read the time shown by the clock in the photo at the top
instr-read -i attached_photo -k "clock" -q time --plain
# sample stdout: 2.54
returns 11.46
